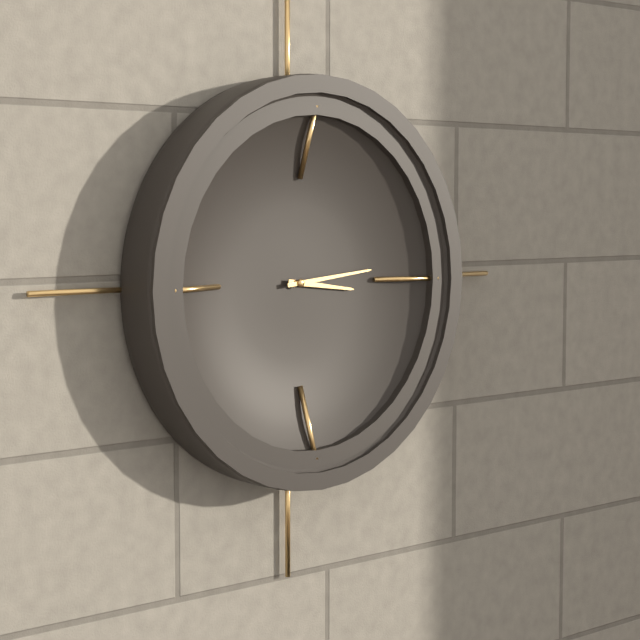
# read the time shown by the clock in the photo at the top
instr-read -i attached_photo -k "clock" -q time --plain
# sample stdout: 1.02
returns 3.14
